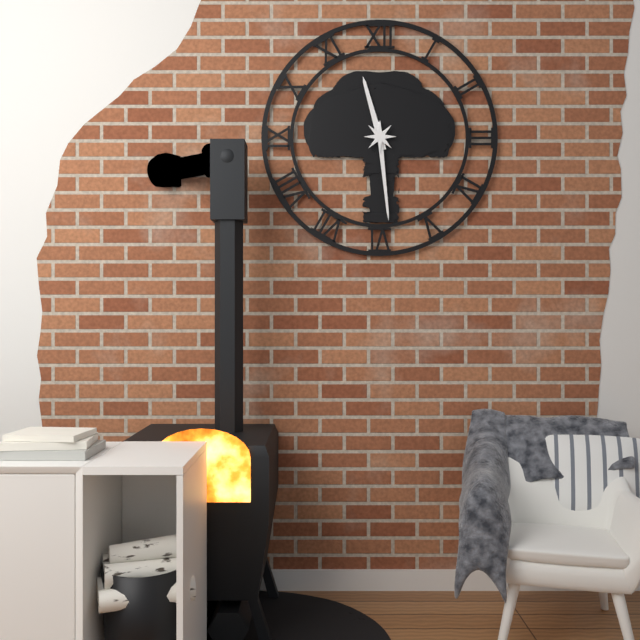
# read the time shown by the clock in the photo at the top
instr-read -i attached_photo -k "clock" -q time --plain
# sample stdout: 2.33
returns 11.29
